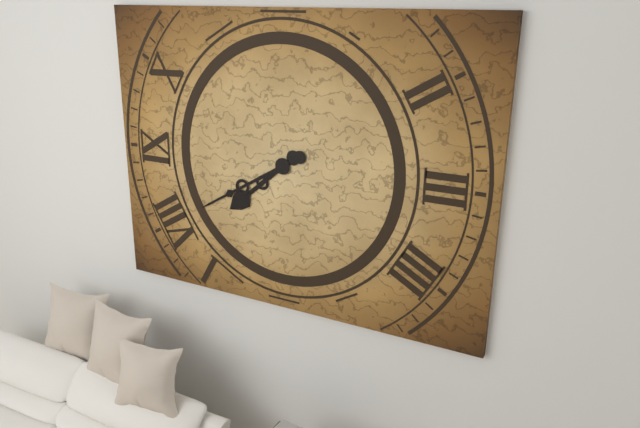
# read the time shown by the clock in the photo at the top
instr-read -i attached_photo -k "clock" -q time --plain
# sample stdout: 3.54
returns 7.40
